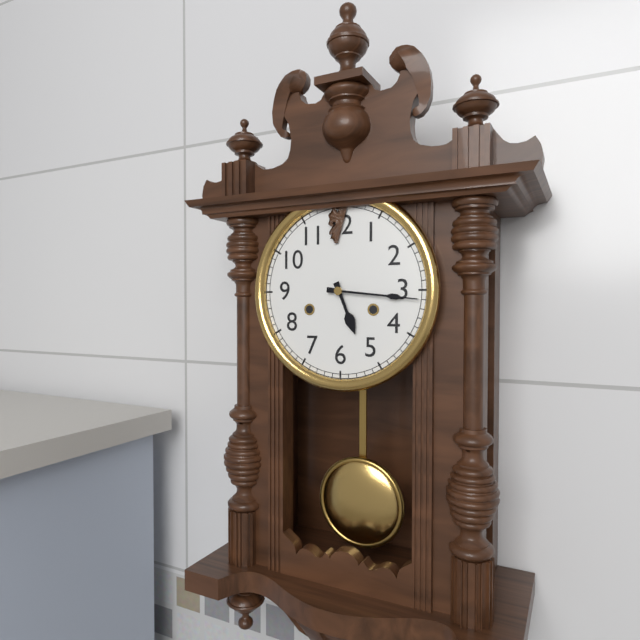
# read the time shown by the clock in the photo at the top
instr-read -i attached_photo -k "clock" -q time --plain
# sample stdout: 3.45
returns 5.16
